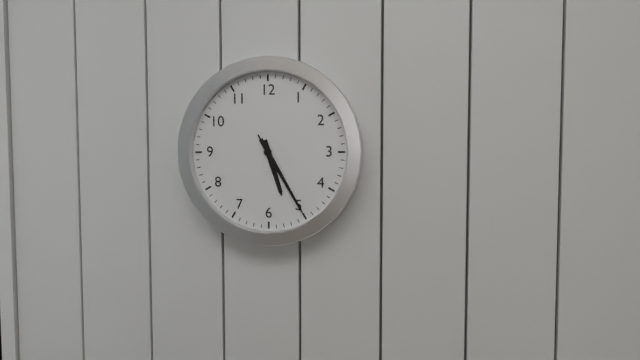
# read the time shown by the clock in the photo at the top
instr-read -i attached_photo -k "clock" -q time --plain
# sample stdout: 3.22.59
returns 5.25.25
